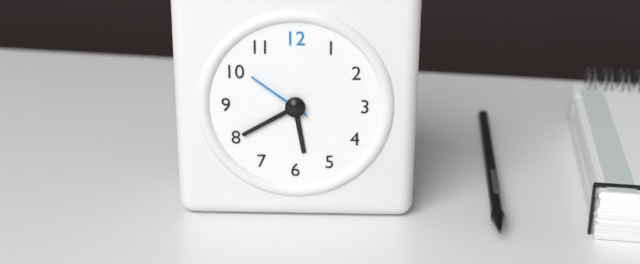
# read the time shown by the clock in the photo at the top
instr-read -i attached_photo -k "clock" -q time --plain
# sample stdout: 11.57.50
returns 5.40.51
